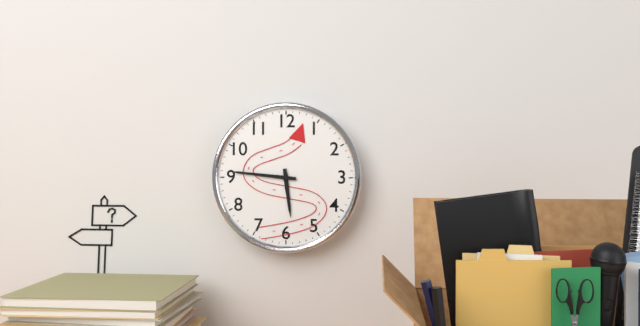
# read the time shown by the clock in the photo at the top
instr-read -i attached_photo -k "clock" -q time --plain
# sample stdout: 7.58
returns 5.46
